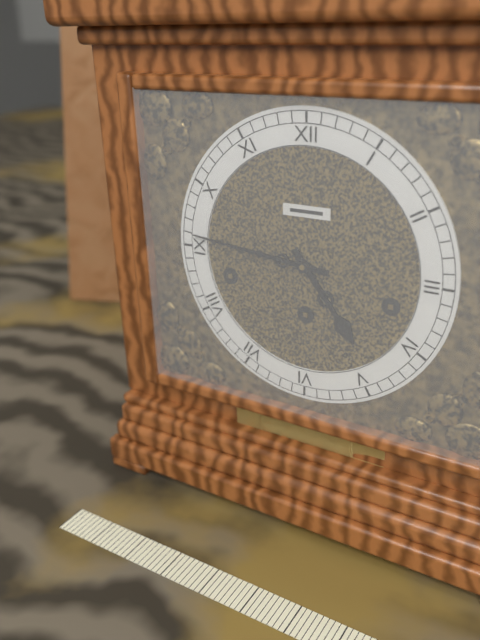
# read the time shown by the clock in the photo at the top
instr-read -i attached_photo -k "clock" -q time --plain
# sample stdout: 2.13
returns 4.46
